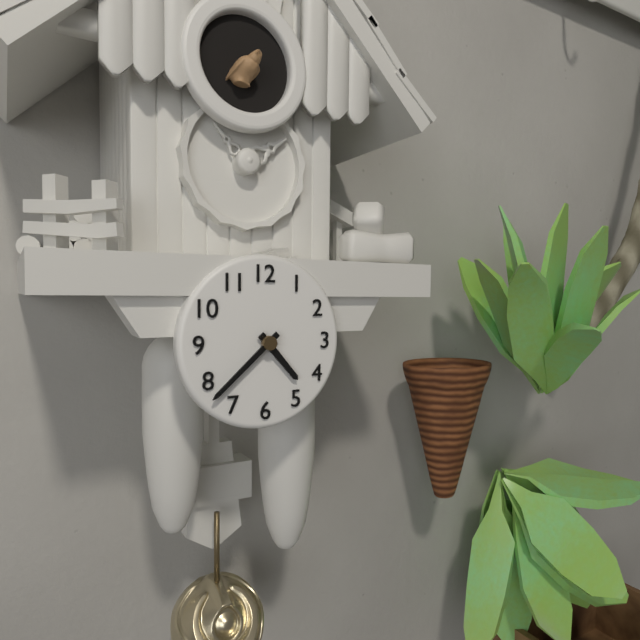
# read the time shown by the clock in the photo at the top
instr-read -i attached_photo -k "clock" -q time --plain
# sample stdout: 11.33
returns 4.38
